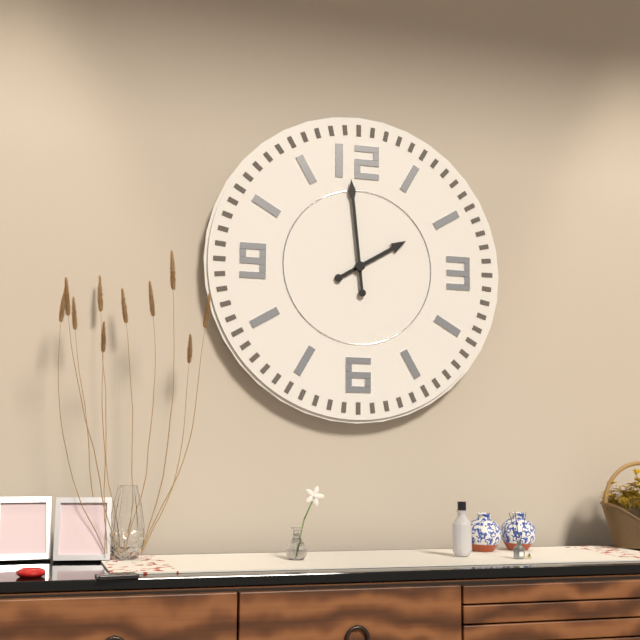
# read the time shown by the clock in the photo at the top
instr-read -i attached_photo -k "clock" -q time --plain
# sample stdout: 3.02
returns 1.59
